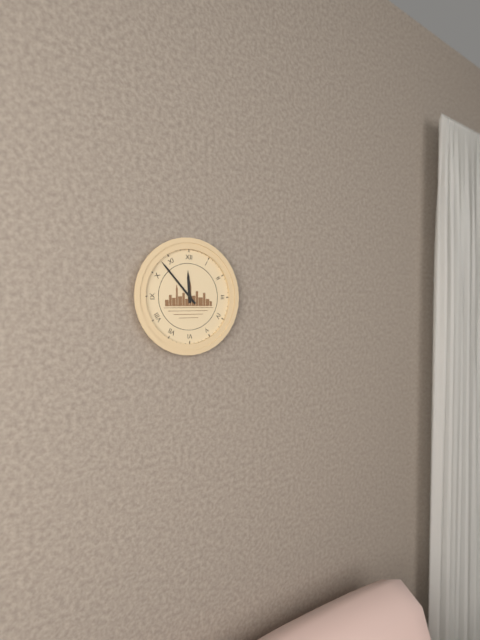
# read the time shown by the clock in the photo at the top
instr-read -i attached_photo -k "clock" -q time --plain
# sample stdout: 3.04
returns 11.53
